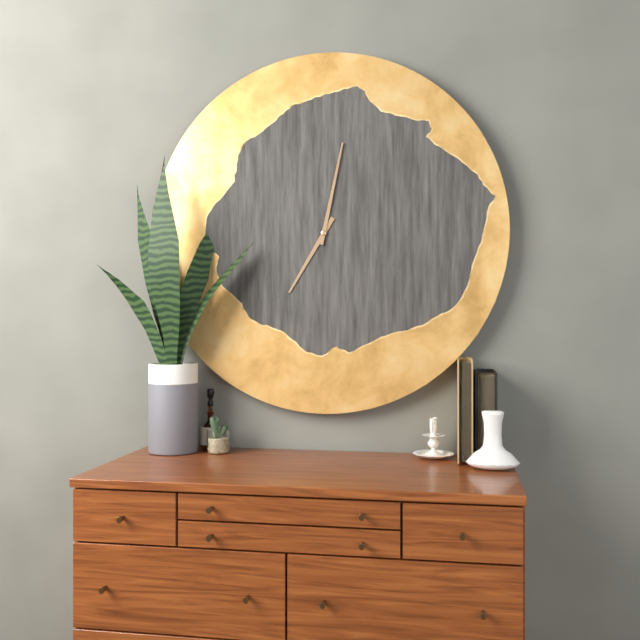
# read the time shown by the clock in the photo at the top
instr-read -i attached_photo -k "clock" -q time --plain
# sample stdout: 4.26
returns 7.02
